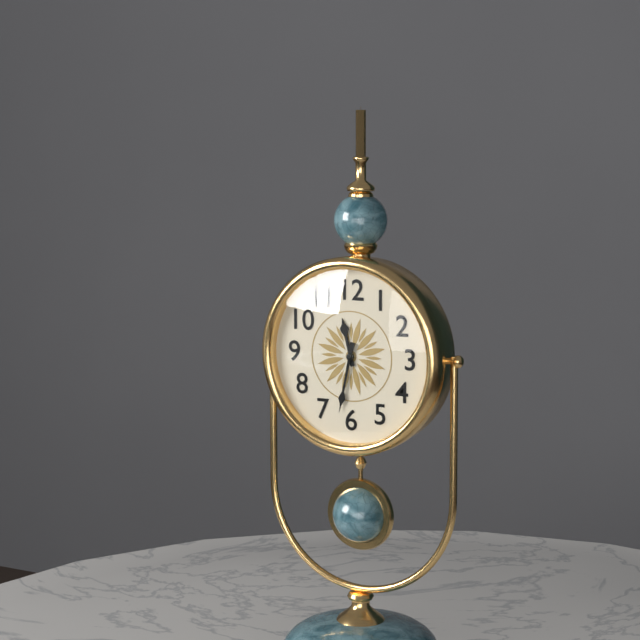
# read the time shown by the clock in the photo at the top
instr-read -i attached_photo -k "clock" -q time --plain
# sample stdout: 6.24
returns 11.32
